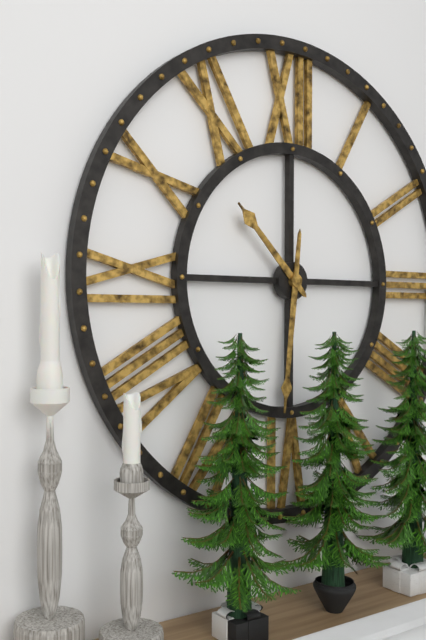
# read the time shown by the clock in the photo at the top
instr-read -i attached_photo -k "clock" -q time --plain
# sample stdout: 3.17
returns 10.31
